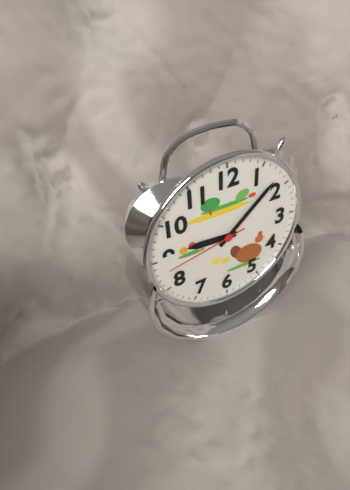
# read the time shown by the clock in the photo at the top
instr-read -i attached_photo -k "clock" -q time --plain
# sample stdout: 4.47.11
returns 9.08.43
